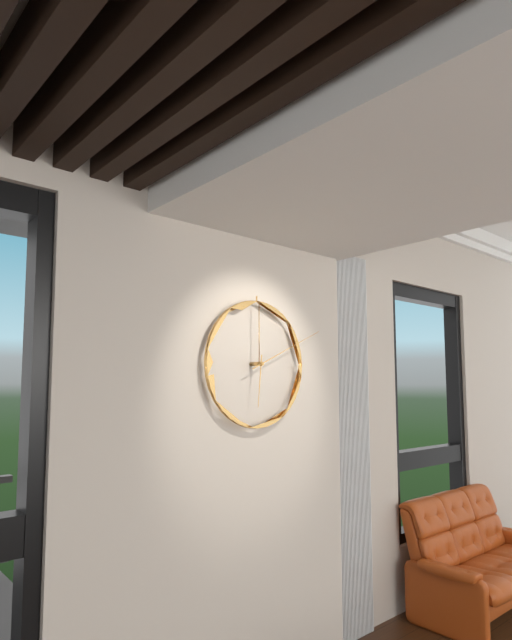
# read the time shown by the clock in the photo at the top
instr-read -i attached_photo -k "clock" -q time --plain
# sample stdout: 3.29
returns 6.11
